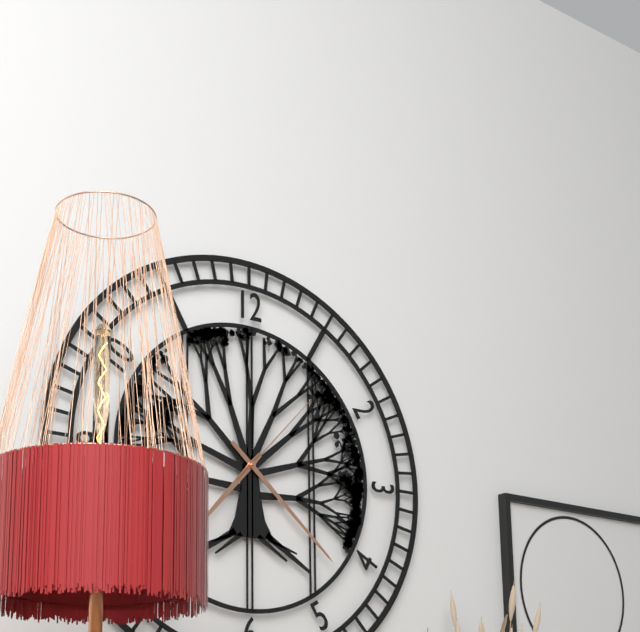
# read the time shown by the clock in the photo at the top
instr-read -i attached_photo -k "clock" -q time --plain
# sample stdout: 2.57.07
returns 7.22.07
